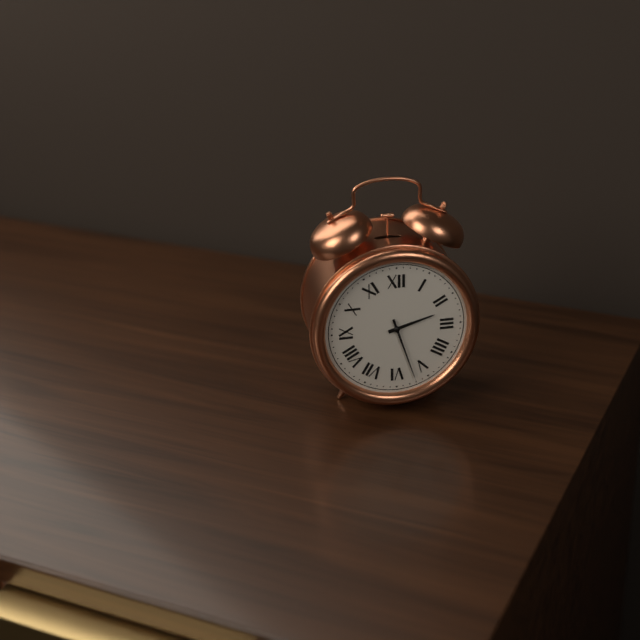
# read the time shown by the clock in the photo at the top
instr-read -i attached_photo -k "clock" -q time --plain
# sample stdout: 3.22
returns 2.27
